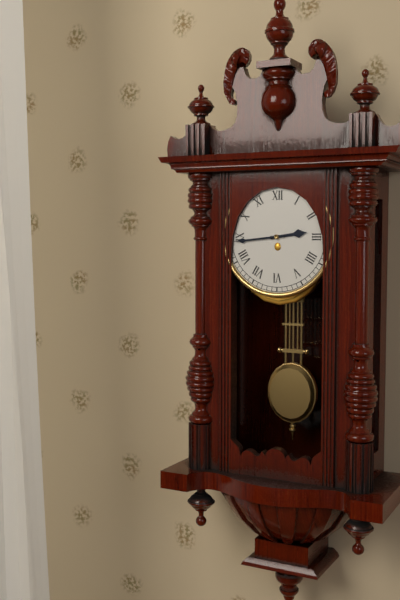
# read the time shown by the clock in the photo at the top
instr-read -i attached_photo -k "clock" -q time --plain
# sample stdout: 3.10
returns 2.44
